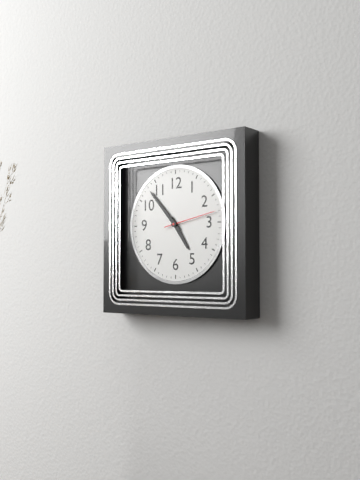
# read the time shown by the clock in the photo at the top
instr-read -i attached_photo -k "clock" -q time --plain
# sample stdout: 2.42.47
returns 4.53.13
